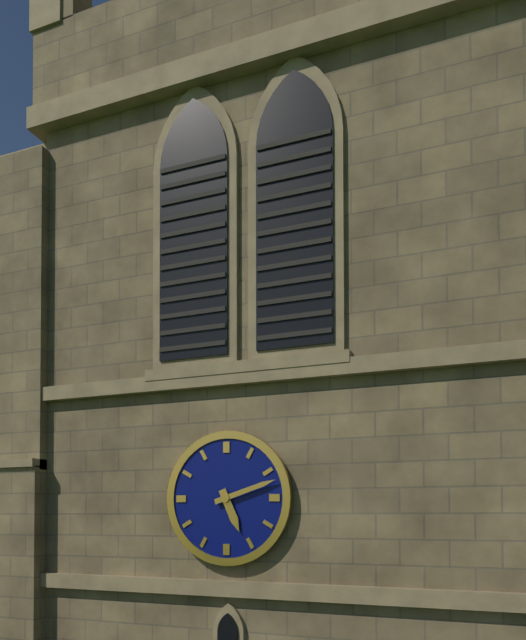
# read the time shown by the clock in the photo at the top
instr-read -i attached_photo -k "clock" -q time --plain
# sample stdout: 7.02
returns 5.12
